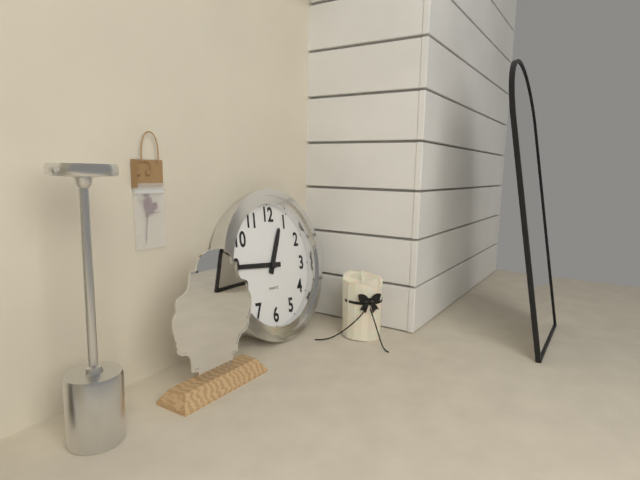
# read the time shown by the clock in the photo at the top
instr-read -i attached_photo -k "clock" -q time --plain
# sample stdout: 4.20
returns 12.45
